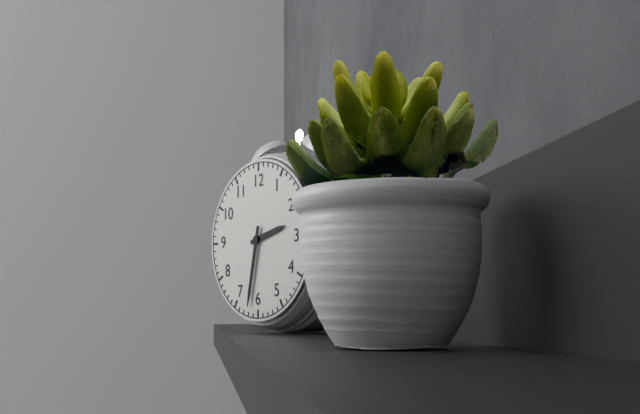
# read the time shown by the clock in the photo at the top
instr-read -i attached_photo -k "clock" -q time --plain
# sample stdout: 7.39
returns 2.32
